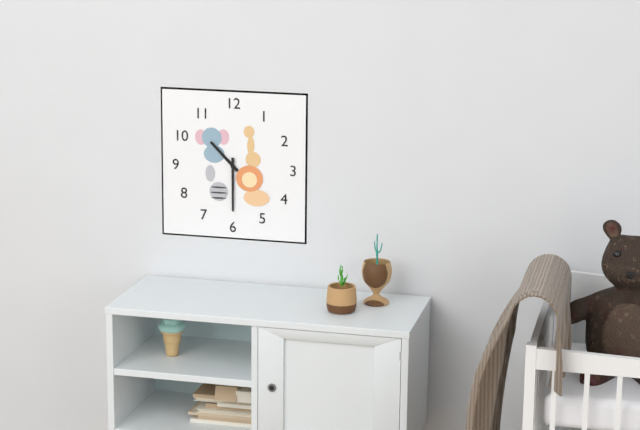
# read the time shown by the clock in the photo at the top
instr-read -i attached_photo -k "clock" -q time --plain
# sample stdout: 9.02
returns 10.30
